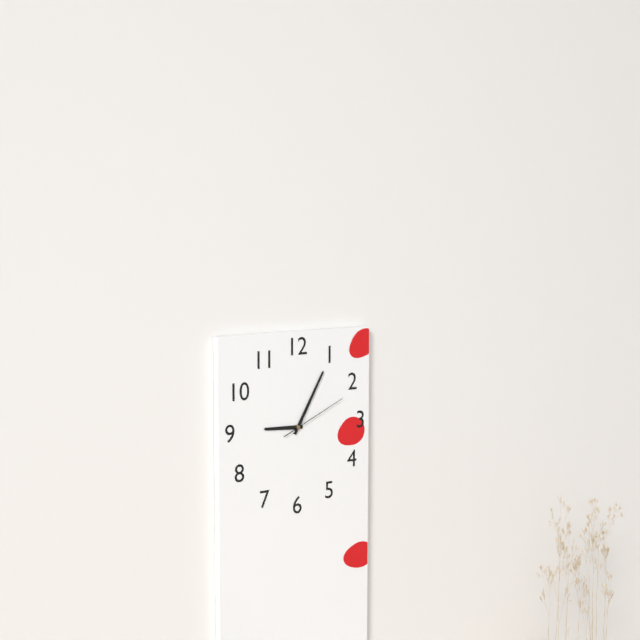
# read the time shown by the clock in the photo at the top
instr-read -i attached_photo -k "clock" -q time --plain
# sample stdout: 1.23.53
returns 9.05.11
